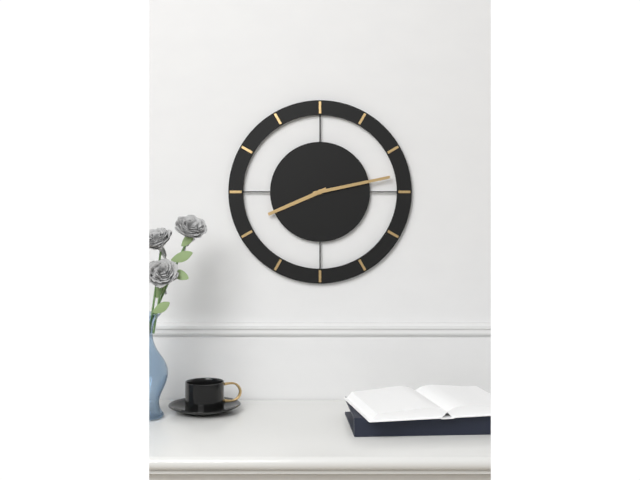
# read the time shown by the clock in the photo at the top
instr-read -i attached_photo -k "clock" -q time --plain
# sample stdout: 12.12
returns 8.13
